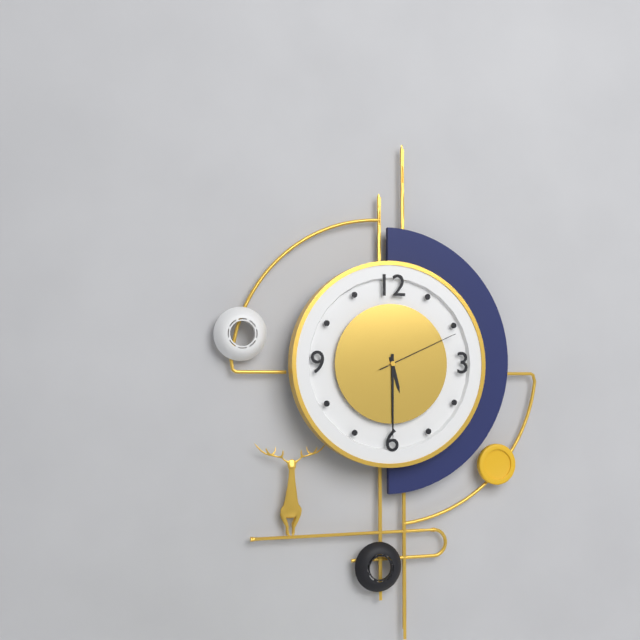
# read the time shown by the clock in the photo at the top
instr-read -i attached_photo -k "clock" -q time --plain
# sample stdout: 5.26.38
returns 5.30.11
